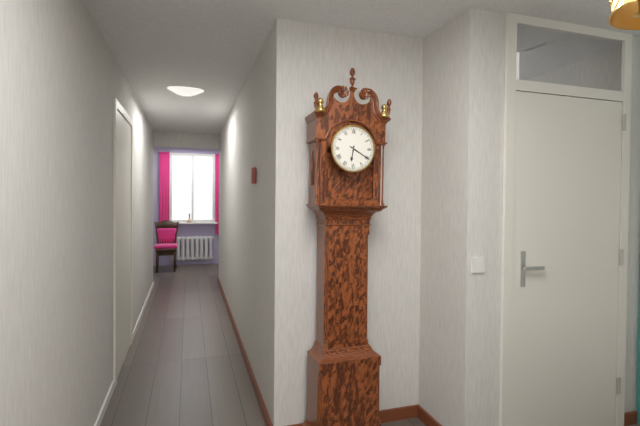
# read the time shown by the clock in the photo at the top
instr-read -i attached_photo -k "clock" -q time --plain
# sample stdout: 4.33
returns 6.20
